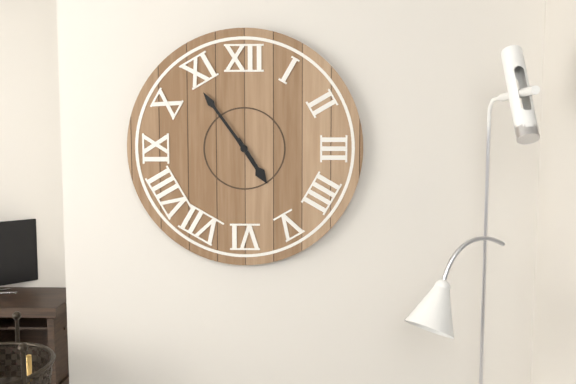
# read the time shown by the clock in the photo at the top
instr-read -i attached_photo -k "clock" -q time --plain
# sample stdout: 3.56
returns 4.54
